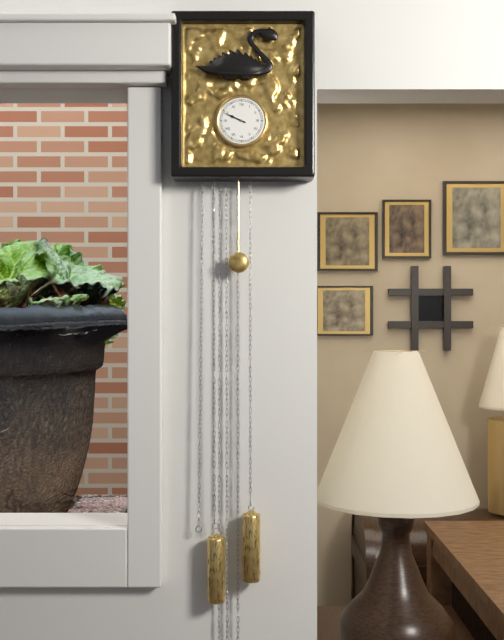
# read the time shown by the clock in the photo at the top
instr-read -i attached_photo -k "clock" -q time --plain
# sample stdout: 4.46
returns 9.49
